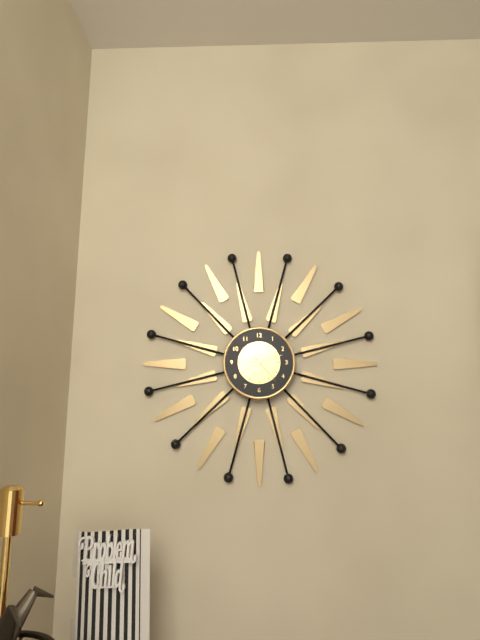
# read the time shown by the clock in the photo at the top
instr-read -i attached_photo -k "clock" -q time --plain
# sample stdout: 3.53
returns 9.12
